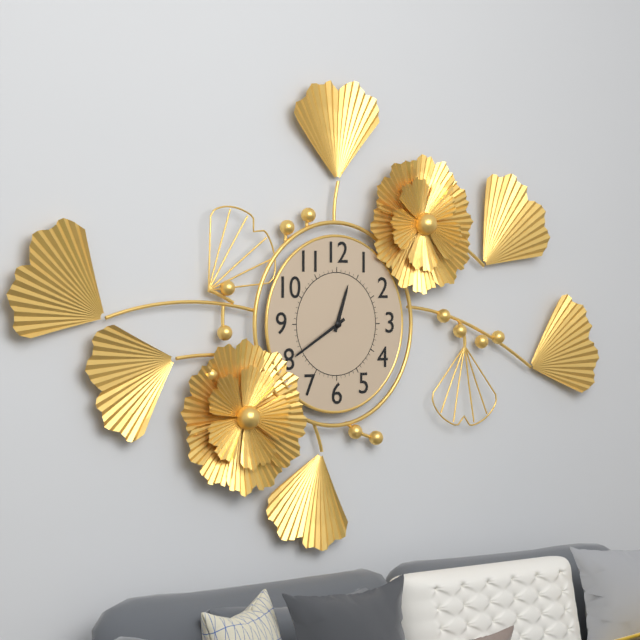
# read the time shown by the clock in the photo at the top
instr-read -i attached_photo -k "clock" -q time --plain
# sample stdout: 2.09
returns 12.40
